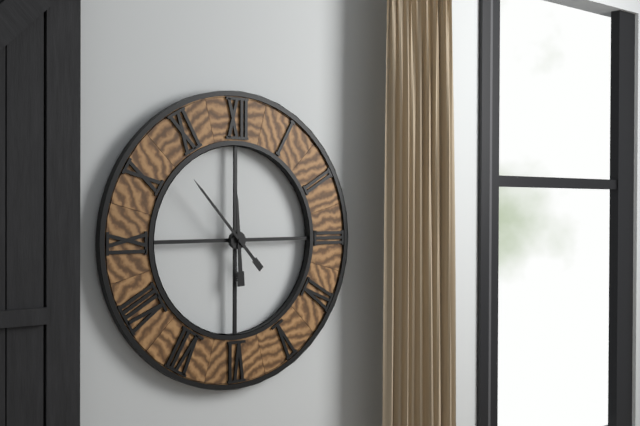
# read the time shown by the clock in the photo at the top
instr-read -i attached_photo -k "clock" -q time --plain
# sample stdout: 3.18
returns 11.53
